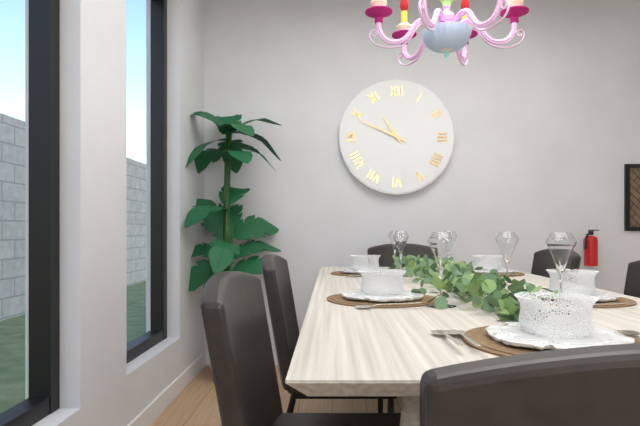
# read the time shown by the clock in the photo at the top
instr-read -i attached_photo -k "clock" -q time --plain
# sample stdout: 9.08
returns 10.49
